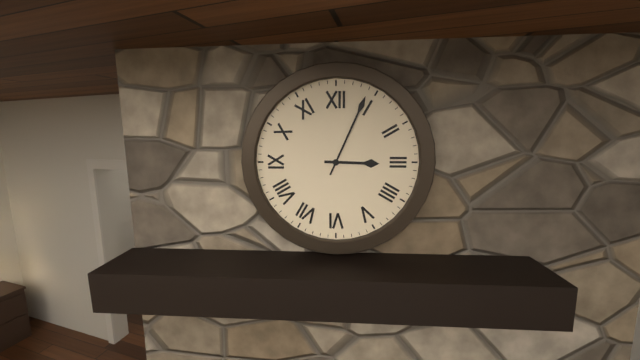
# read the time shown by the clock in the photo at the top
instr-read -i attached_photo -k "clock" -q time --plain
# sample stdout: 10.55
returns 3.04
